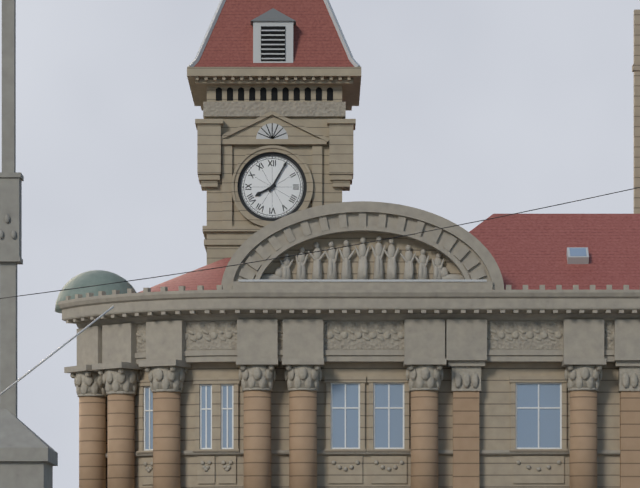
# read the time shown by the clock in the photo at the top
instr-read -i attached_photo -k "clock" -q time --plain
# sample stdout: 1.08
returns 8.05
